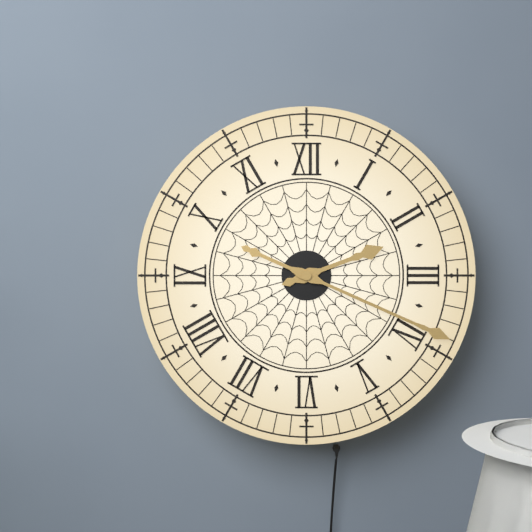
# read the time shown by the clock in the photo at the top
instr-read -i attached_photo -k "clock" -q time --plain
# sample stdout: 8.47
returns 2.19
